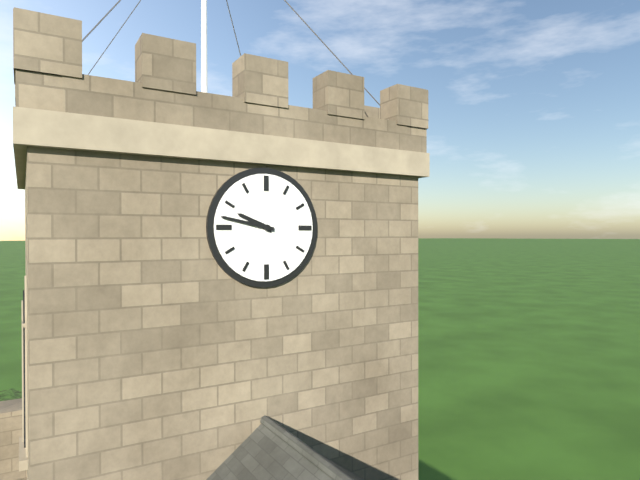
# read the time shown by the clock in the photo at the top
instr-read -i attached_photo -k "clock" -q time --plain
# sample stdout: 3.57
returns 9.47
